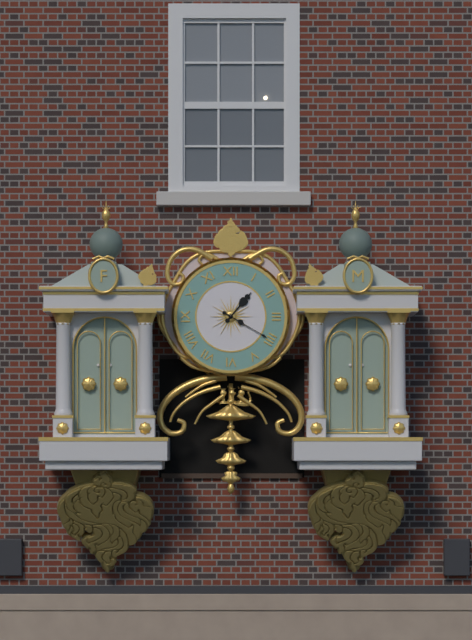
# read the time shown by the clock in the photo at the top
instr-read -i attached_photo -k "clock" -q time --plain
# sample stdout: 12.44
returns 1.20
